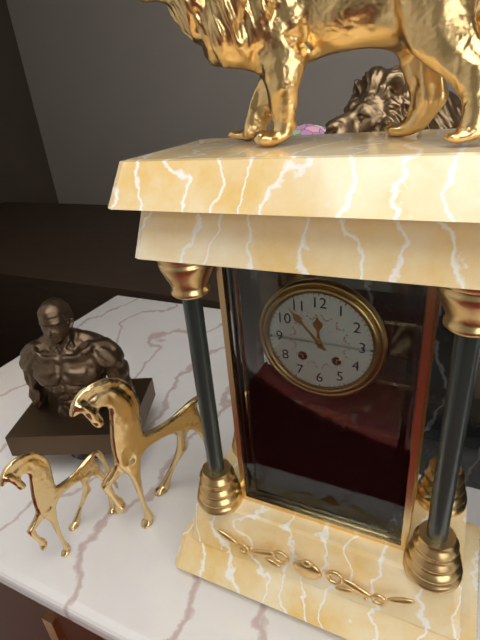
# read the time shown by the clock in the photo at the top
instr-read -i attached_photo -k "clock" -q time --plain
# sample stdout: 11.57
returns 11.53
